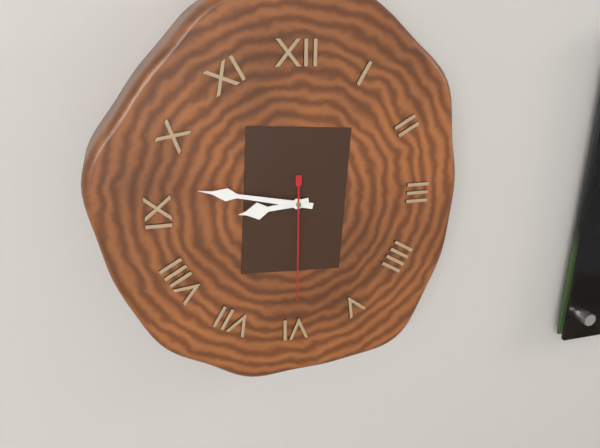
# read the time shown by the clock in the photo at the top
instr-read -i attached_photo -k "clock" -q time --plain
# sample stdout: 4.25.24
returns 8.47.30
